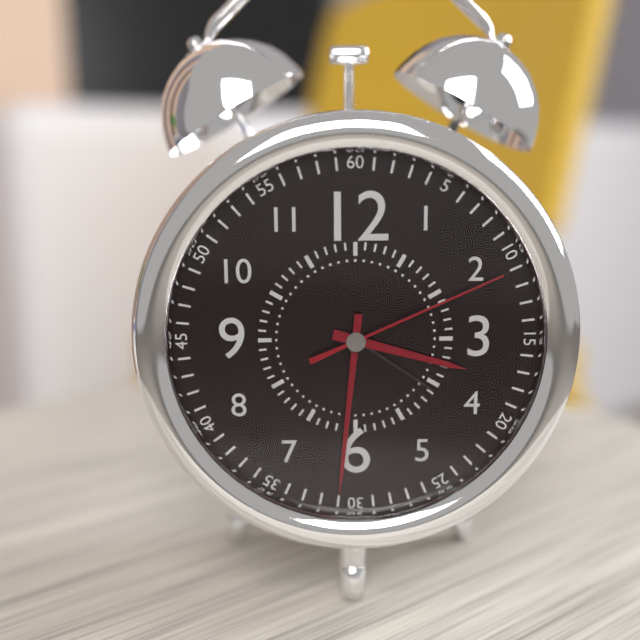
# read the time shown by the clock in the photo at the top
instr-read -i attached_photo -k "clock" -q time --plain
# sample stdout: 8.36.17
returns 3.31.11
